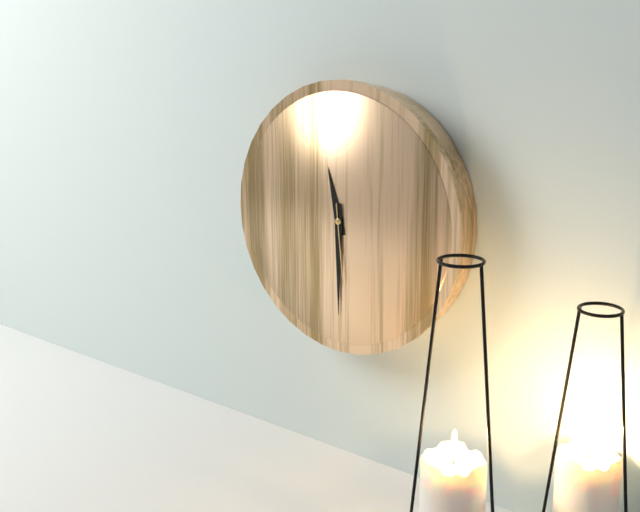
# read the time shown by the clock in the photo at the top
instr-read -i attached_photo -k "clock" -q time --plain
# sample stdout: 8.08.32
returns 11.30.29
